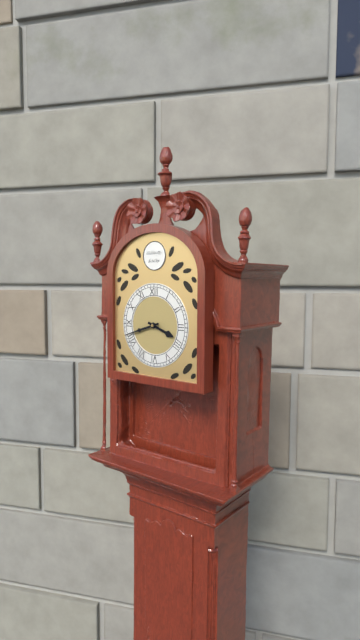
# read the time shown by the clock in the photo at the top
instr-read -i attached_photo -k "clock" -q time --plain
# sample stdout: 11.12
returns 3.42
